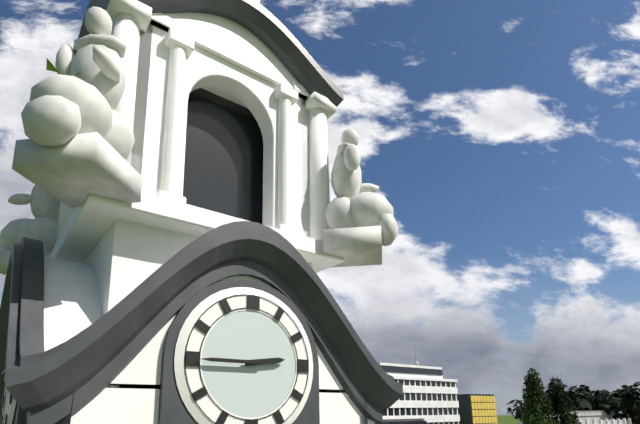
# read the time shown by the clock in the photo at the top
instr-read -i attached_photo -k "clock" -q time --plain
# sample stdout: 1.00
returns 2.45
